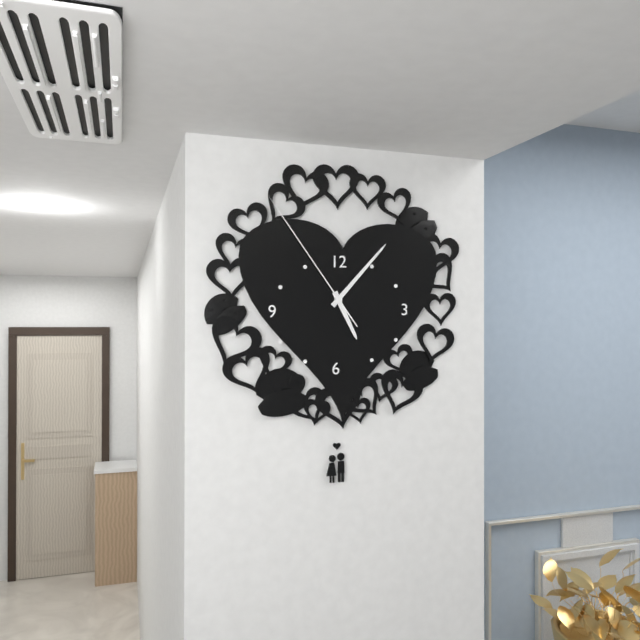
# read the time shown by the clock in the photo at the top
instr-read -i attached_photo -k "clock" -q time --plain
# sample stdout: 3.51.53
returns 5.07.54
